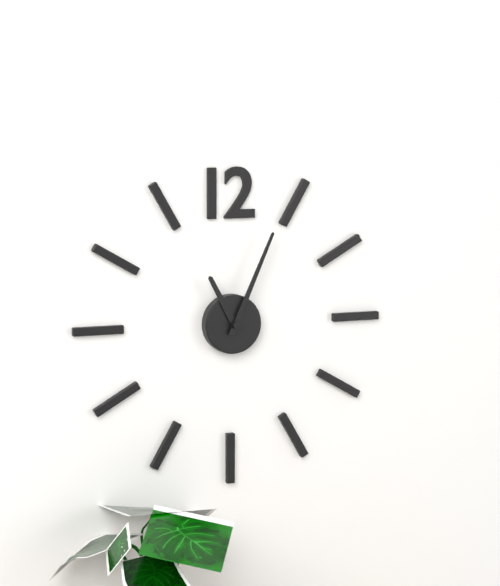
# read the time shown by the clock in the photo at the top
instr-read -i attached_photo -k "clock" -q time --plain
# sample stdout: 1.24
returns 11.04
